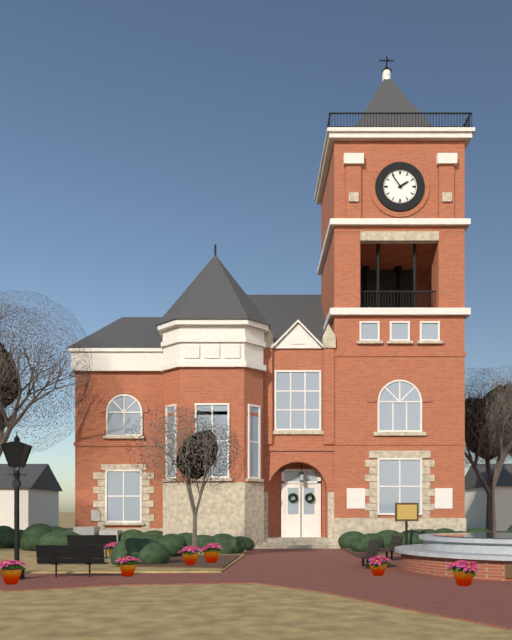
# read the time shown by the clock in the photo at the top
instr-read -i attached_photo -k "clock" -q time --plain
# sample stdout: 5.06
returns 1.54
